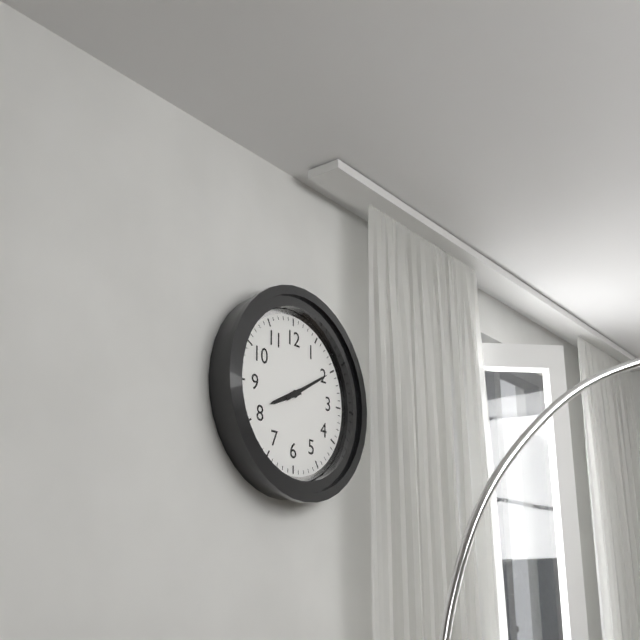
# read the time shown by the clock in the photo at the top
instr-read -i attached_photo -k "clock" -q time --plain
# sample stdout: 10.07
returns 8.10
